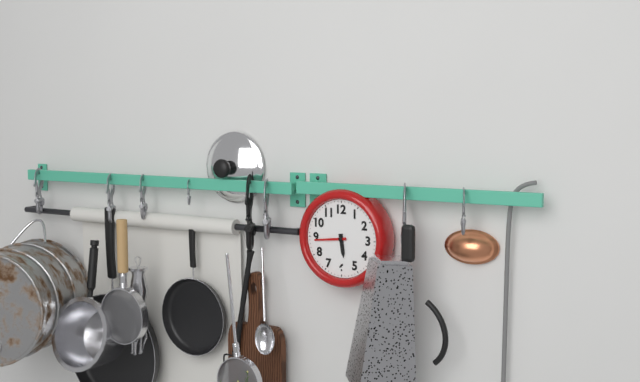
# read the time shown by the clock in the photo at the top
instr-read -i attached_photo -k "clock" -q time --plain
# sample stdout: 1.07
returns 5.44
